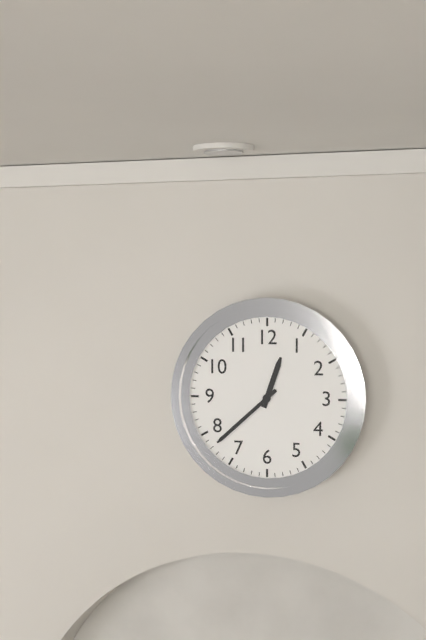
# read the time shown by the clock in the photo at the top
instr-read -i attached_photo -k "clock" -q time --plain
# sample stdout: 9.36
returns 12.38
